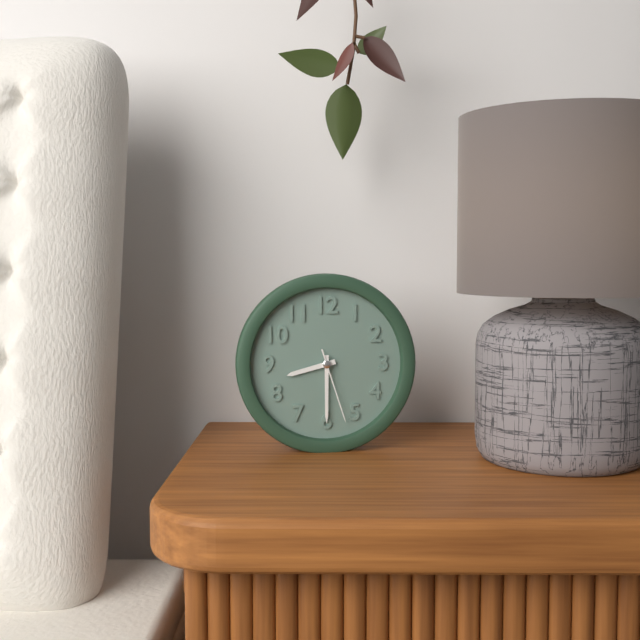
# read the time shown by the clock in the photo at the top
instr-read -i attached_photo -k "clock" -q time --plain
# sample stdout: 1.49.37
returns 8.30.27
